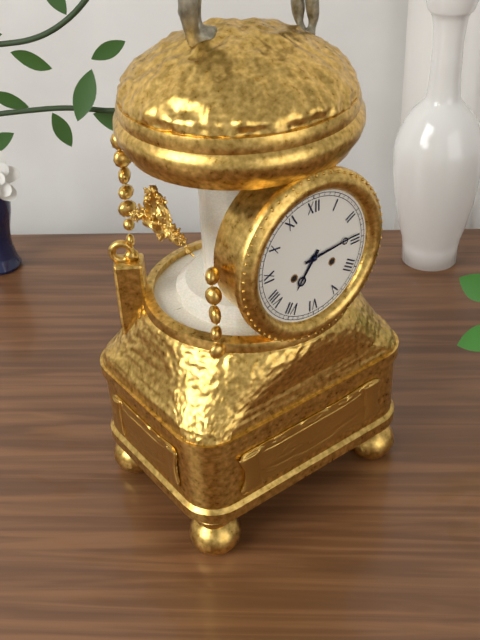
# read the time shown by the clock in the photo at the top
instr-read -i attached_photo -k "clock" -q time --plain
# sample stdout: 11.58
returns 7.14
